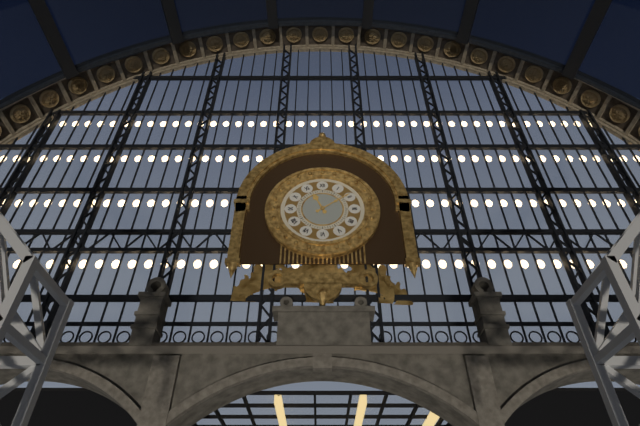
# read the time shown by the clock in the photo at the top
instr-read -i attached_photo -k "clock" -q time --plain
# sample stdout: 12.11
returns 11.09
